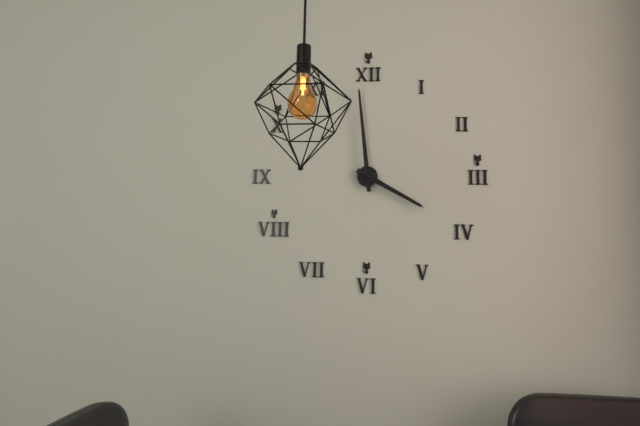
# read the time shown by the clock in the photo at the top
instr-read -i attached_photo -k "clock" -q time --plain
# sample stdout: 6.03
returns 3.59
